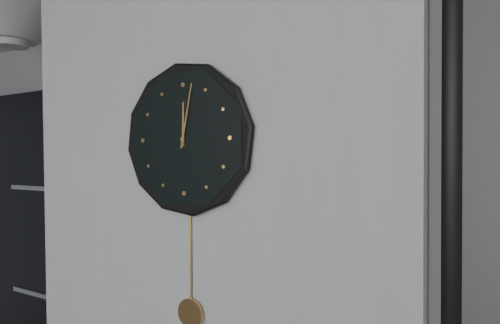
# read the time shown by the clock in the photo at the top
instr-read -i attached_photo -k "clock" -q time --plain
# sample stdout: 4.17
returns 12.02
